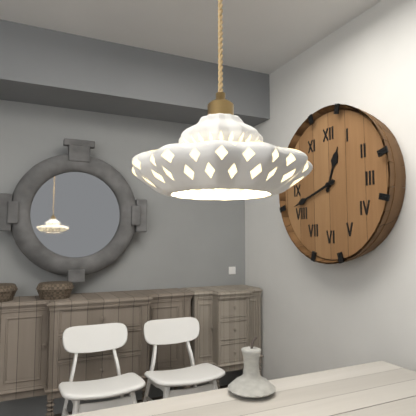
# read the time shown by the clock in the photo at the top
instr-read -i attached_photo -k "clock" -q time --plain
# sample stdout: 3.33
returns 12.42
